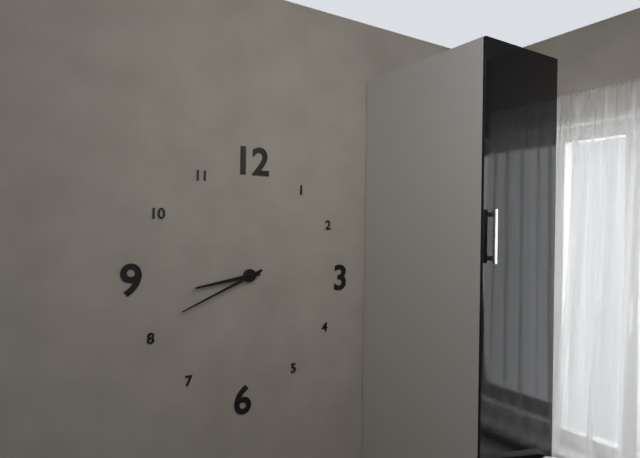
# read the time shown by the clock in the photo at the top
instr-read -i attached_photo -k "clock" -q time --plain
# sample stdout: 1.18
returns 8.41
